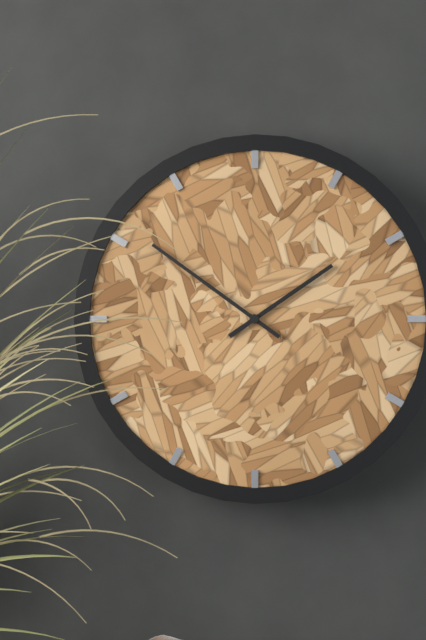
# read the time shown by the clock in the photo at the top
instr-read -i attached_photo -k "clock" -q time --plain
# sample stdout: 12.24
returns 1.51
